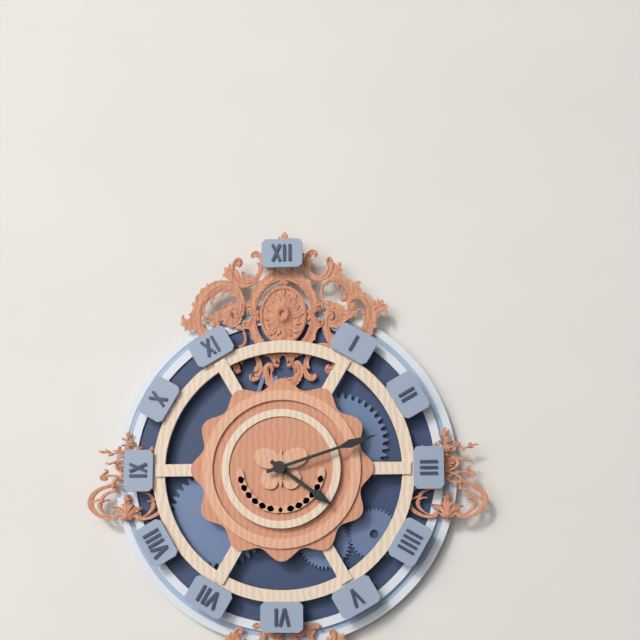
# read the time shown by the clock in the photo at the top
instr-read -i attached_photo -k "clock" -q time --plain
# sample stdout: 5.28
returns 4.12
